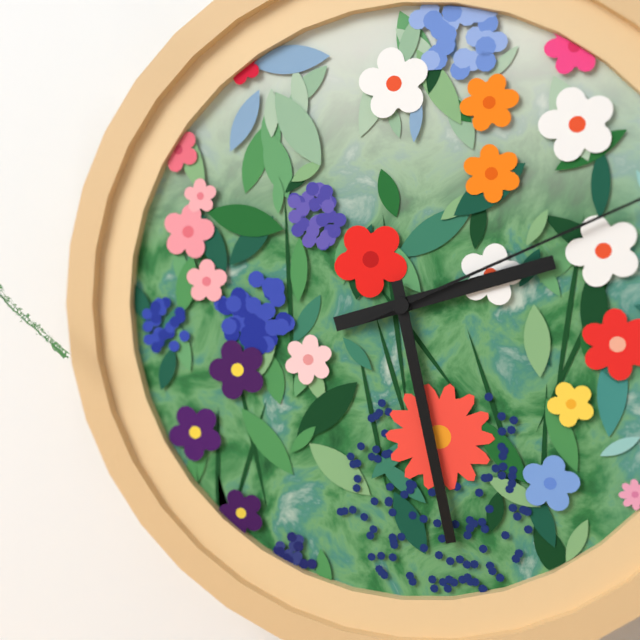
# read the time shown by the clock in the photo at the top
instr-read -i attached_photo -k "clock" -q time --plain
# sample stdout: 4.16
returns 2.28
